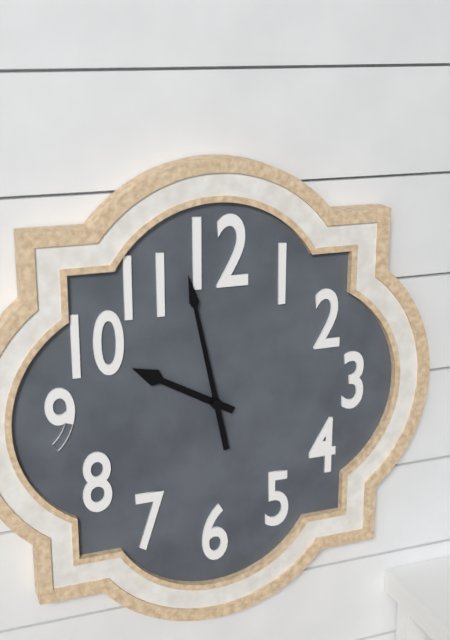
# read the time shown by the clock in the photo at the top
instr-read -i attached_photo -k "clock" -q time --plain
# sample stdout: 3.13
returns 9.58
